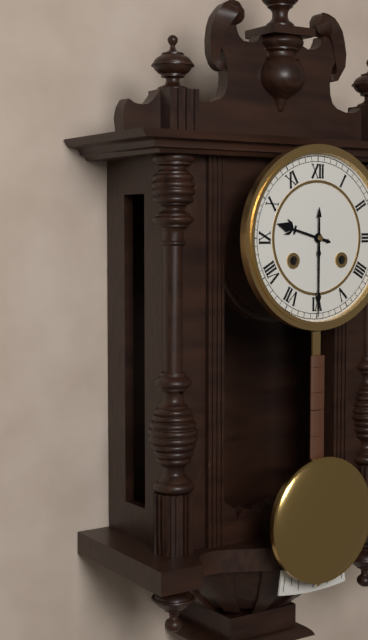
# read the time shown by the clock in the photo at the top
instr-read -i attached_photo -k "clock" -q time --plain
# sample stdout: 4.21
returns 9.30
